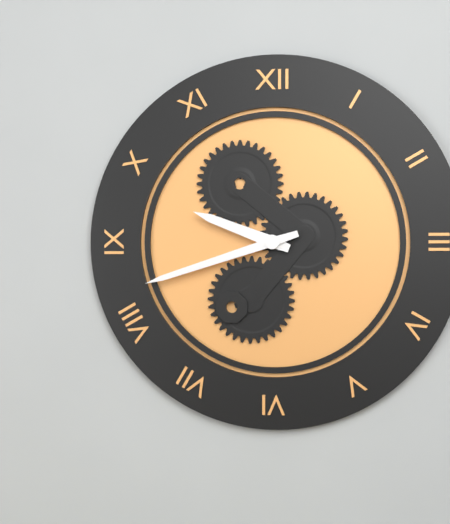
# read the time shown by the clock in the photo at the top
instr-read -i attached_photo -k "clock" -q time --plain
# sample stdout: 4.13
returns 9.42
